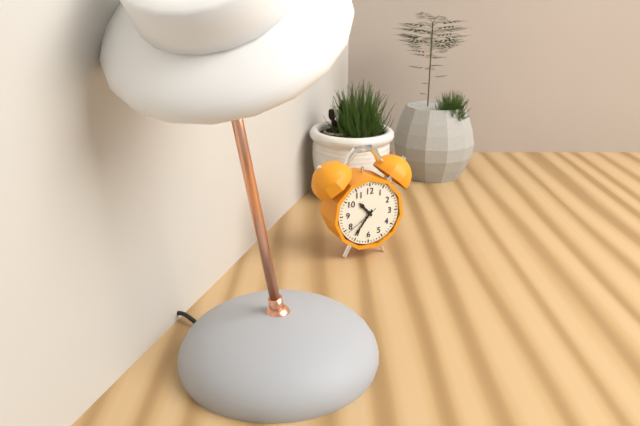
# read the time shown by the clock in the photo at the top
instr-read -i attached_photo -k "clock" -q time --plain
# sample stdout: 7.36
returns 10.36
